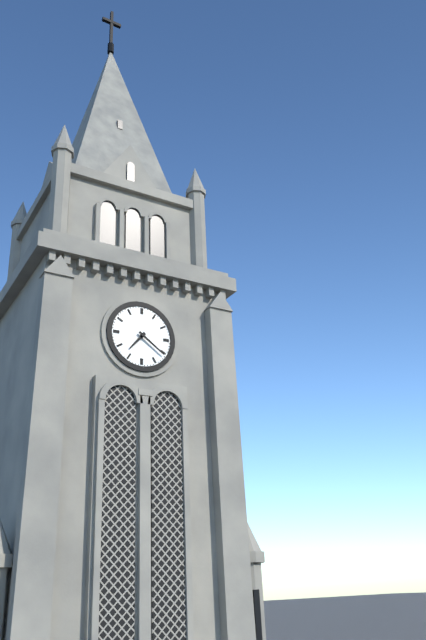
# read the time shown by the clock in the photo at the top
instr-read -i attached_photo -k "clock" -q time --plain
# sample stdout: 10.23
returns 7.21
